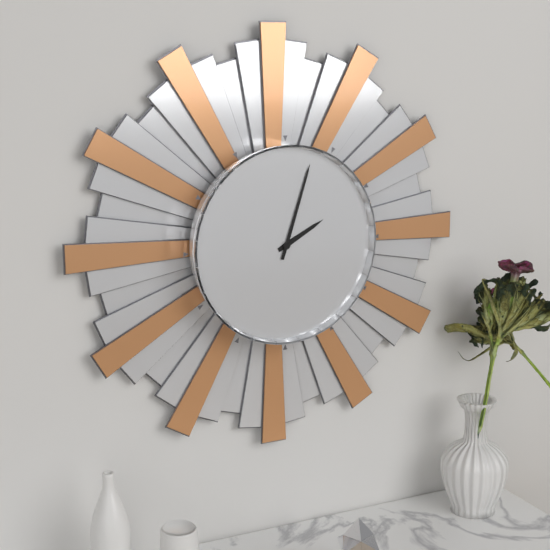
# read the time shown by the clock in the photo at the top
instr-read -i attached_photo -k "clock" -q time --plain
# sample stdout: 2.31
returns 2.03
